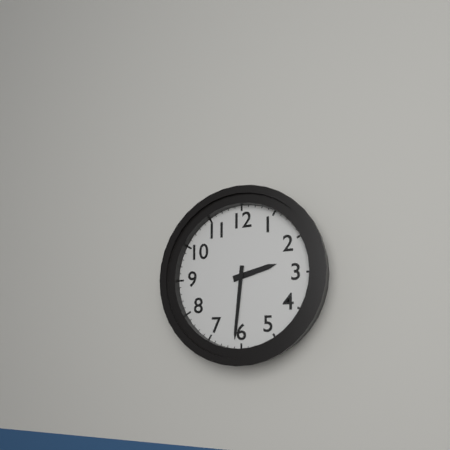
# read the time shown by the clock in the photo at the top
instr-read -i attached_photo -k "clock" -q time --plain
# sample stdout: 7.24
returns 2.31
